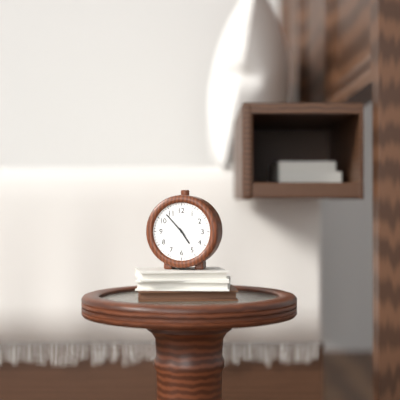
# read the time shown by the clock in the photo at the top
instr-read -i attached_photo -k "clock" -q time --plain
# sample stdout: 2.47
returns 4.53
